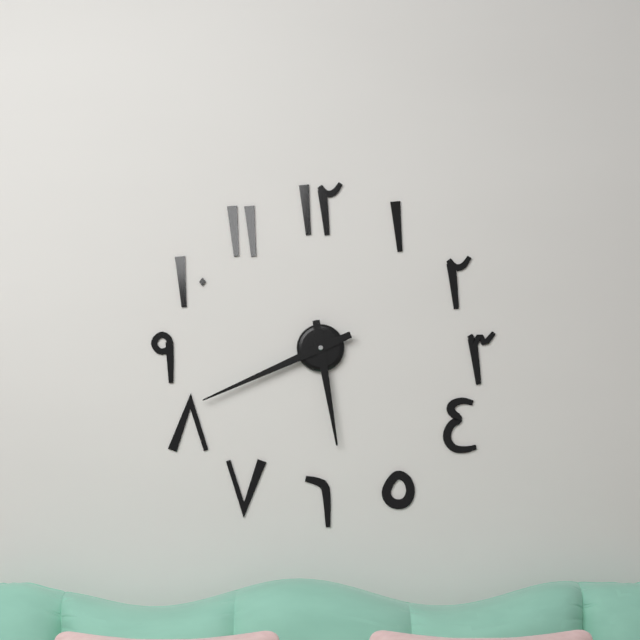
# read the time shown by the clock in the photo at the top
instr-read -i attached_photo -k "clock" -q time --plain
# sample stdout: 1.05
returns 5.41
